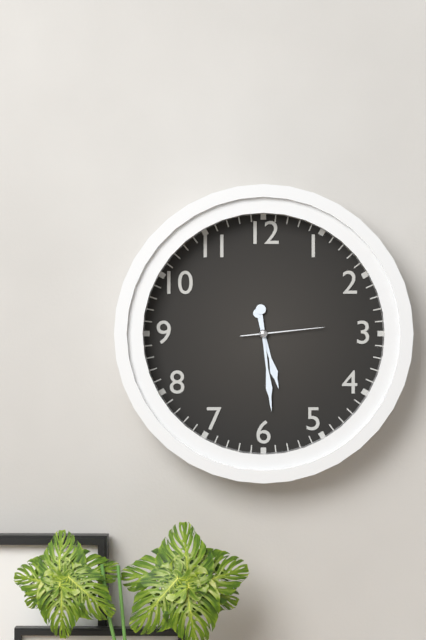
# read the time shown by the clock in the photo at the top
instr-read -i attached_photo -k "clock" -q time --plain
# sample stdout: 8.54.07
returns 5.29.14
